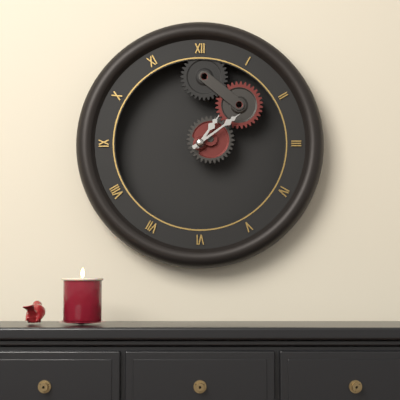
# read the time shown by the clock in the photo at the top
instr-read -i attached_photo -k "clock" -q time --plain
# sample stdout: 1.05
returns 1.09
